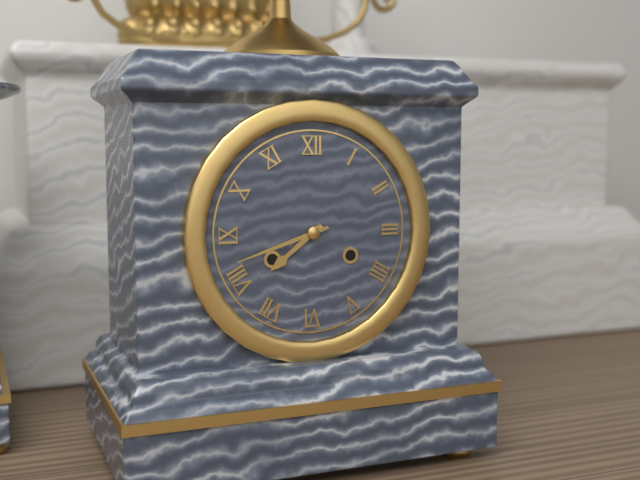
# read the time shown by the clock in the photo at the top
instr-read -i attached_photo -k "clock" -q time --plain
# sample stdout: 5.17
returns 7.42
